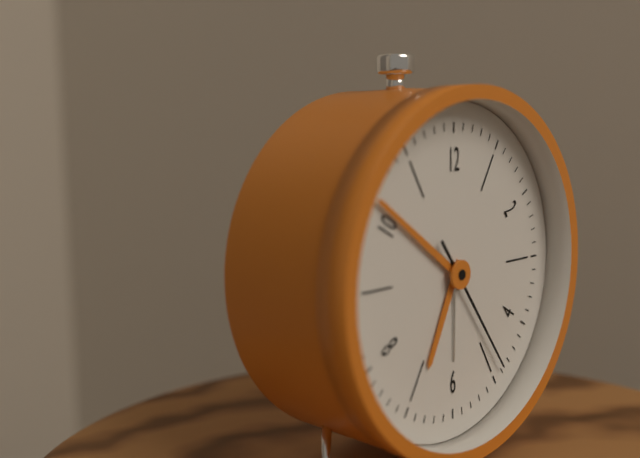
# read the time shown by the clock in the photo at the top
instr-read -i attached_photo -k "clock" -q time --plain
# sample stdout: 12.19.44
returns 6.51.24
